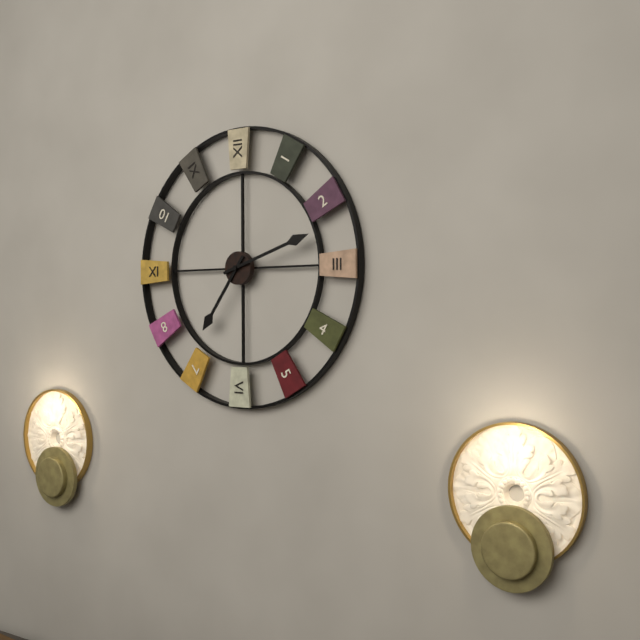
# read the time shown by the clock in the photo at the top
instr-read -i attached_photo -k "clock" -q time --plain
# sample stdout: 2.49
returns 7.12
